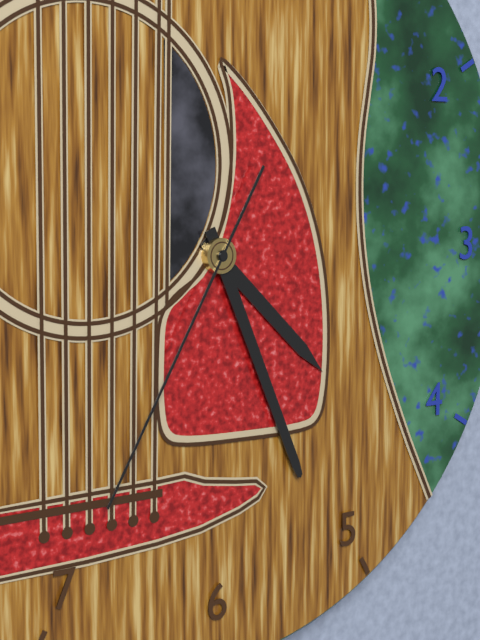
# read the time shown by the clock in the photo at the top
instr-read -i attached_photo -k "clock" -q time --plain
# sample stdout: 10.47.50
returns 4.26.35
